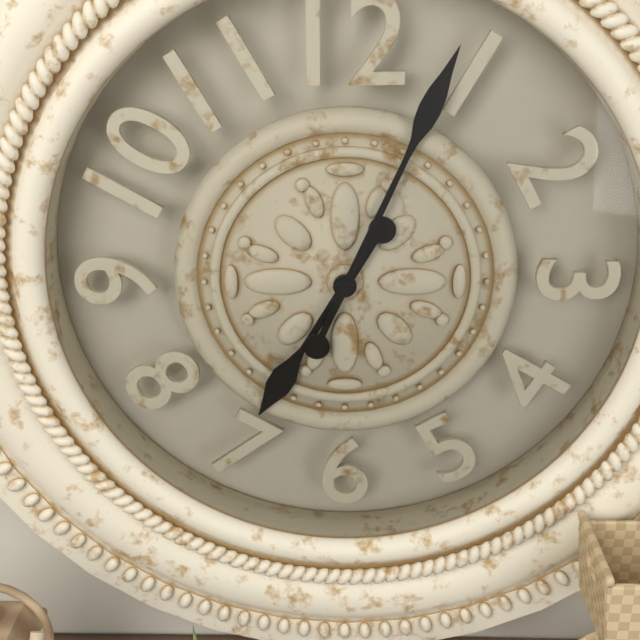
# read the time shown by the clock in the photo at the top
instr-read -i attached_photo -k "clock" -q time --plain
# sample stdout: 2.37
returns 7.04
